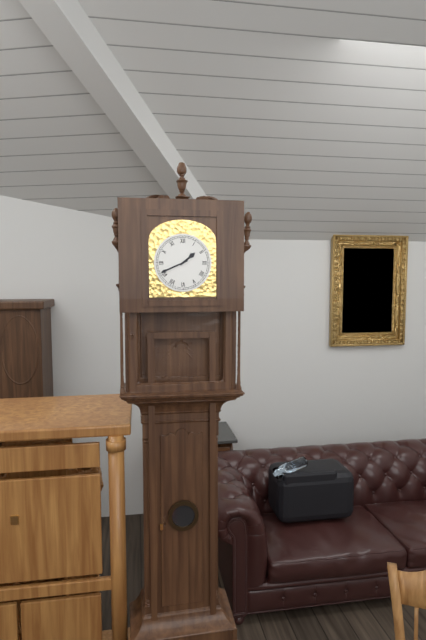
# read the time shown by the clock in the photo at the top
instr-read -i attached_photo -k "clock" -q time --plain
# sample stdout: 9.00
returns 1.41
